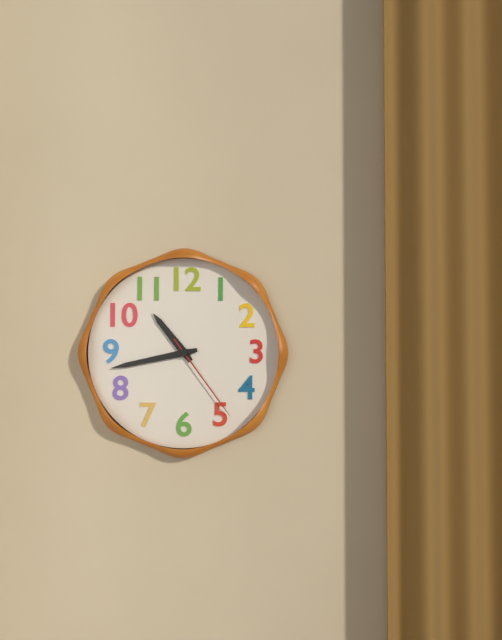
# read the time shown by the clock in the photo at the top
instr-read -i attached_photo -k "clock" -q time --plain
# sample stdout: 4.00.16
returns 10.43.24
